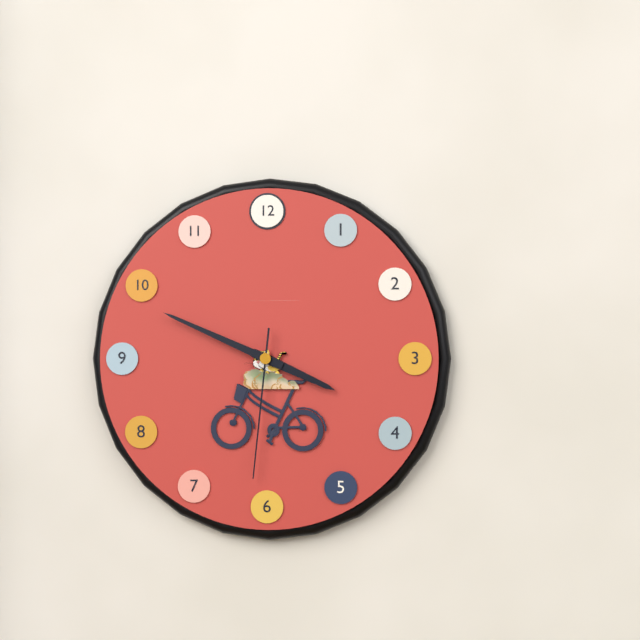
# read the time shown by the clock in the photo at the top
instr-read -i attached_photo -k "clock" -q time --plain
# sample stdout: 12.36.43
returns 3.49.31
